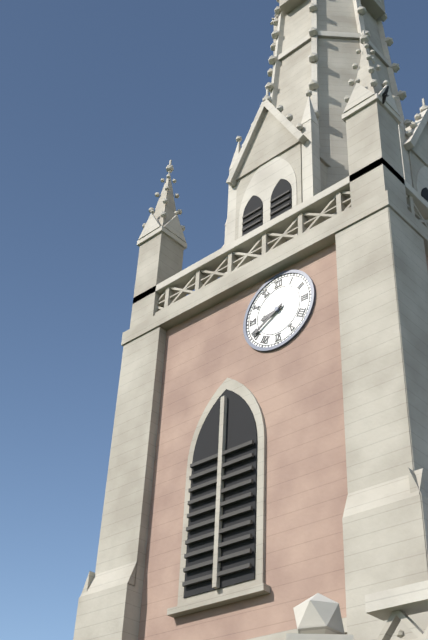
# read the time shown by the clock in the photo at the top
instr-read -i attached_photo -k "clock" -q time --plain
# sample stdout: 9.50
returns 8.40
